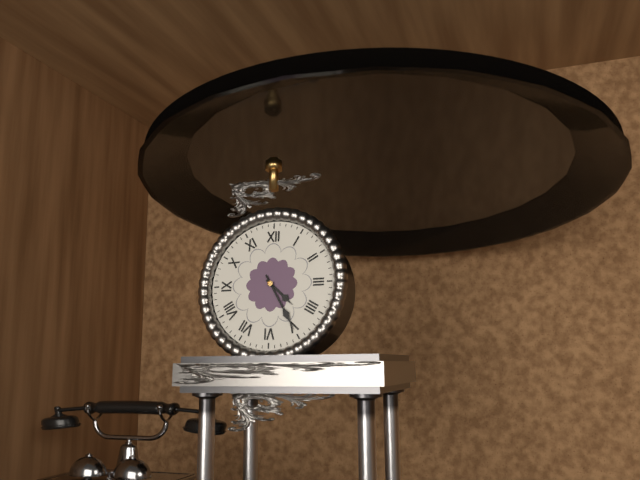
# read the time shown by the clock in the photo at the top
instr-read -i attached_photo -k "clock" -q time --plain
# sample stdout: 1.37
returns 4.25
